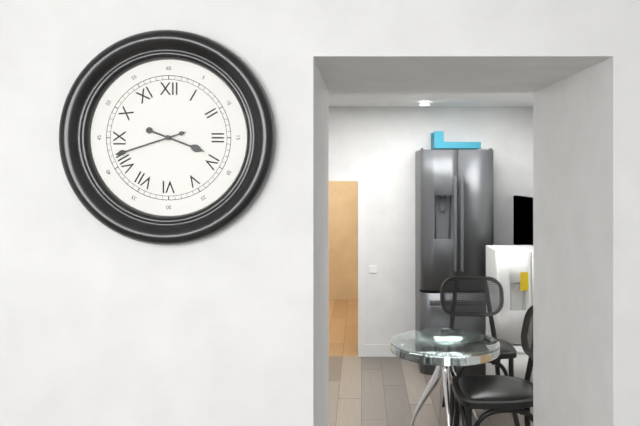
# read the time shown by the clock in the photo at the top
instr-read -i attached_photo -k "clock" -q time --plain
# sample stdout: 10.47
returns 3.42
